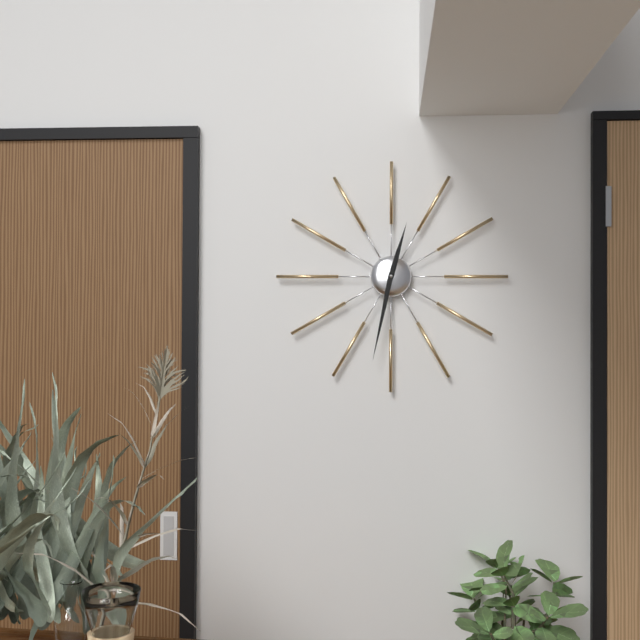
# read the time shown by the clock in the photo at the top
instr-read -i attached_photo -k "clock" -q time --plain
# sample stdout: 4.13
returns 12.32
